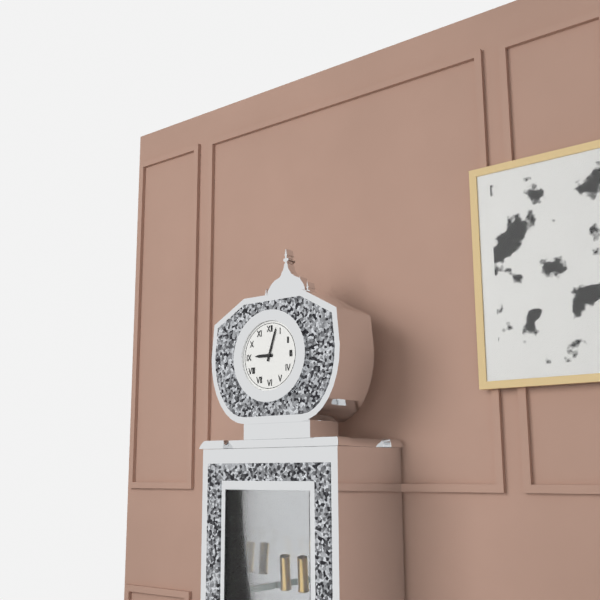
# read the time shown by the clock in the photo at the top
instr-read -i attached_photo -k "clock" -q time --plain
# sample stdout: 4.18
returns 9.03
